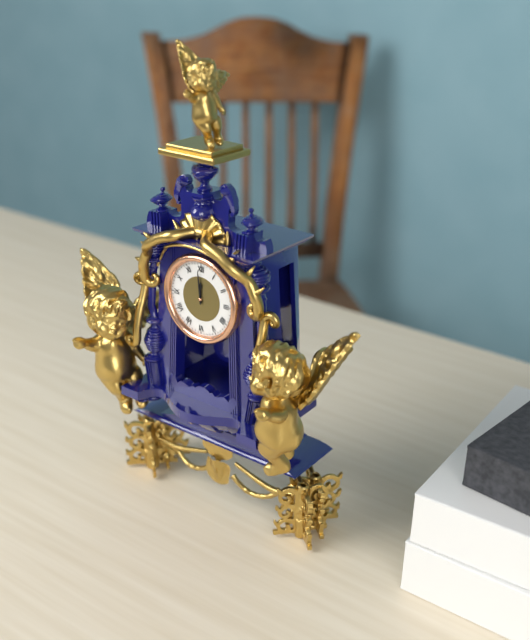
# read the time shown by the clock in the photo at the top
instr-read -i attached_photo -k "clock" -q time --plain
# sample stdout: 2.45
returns 11.59
